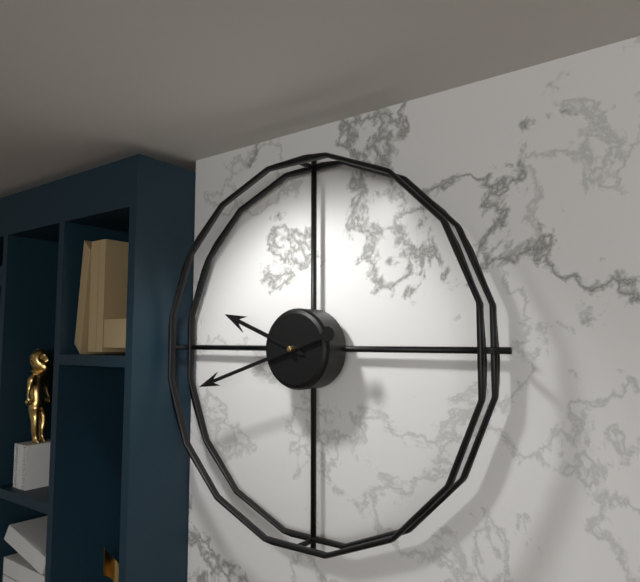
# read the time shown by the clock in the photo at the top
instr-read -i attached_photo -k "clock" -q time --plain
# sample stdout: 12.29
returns 9.42
